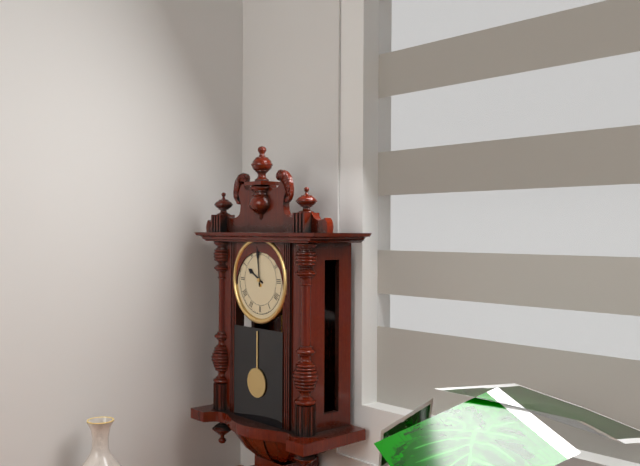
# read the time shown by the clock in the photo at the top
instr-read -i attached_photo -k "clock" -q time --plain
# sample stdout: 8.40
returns 9.59
